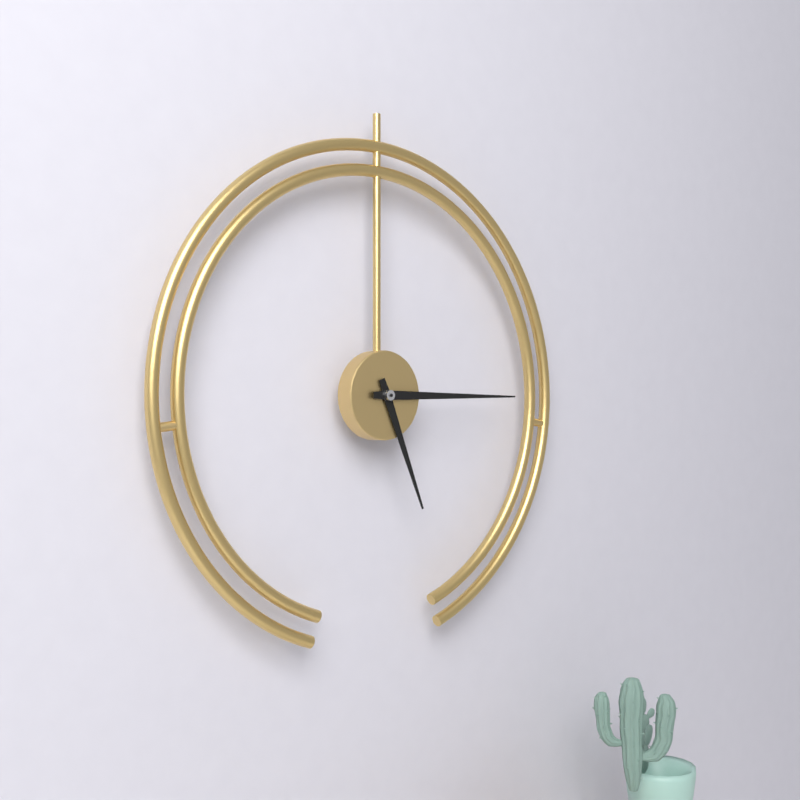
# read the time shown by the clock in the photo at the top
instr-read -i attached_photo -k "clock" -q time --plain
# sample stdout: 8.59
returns 5.15
